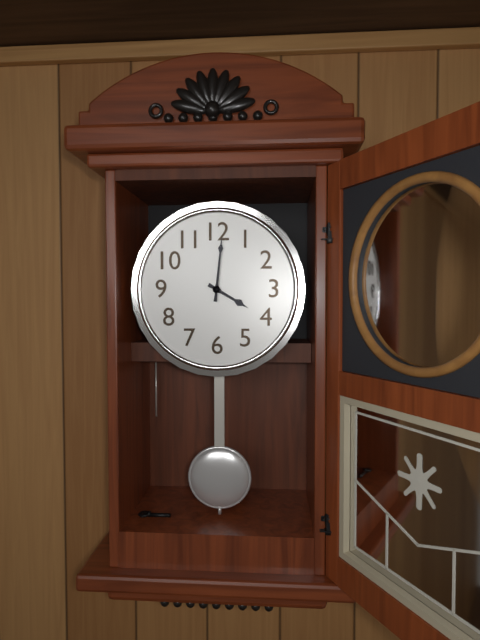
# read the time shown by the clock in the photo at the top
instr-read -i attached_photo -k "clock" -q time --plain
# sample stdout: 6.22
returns 4.01
